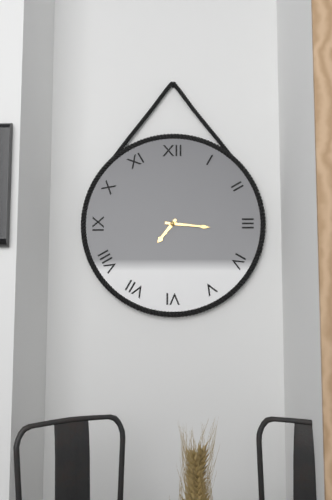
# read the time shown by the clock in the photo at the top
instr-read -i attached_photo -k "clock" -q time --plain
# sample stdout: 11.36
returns 7.16
